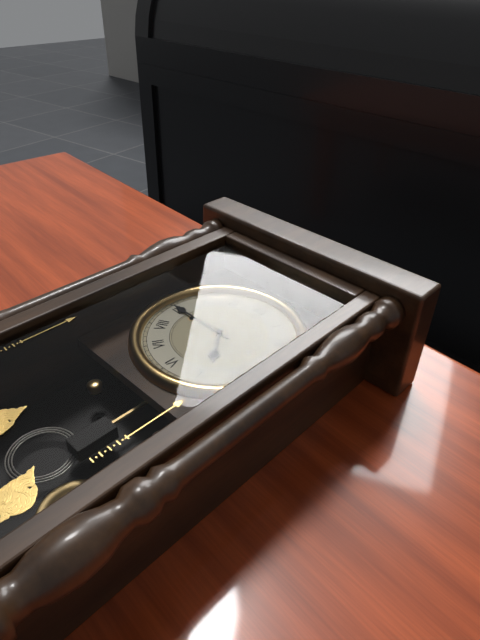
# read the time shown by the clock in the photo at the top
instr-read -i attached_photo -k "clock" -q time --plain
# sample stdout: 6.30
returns 4.45
